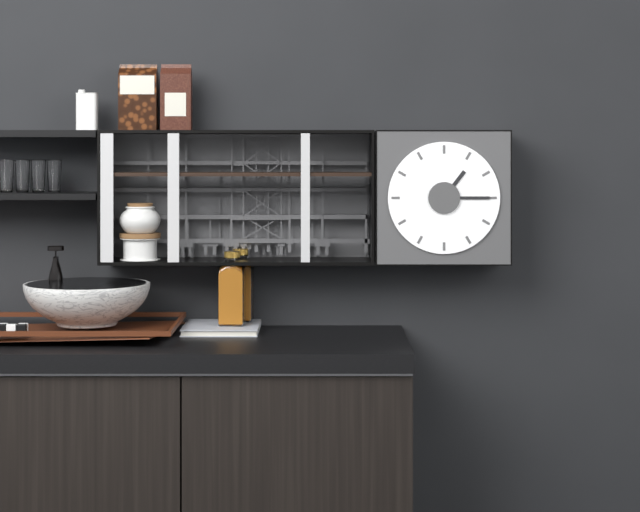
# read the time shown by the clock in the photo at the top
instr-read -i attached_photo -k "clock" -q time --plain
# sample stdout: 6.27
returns 1.15
